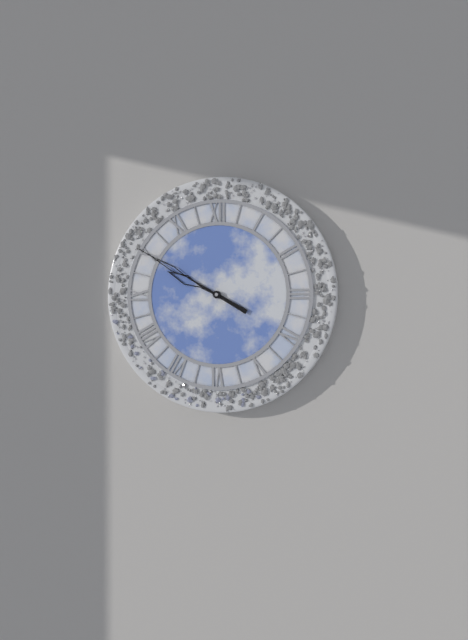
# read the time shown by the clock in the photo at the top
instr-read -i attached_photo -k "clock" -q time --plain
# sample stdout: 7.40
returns 9.50
